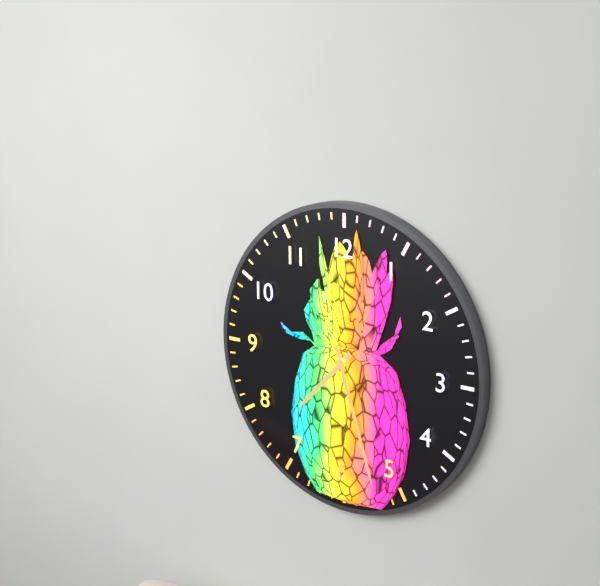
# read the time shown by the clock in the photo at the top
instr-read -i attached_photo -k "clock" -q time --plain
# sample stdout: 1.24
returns 7.27
